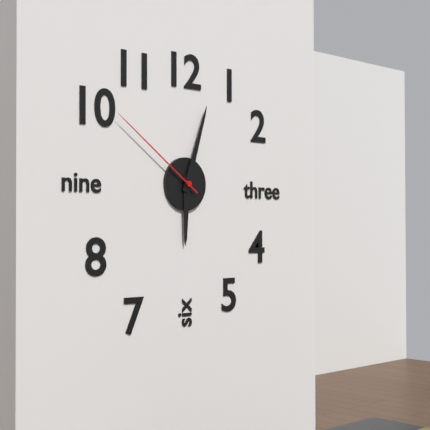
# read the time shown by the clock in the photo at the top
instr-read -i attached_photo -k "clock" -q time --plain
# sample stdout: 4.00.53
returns 6.03.51
